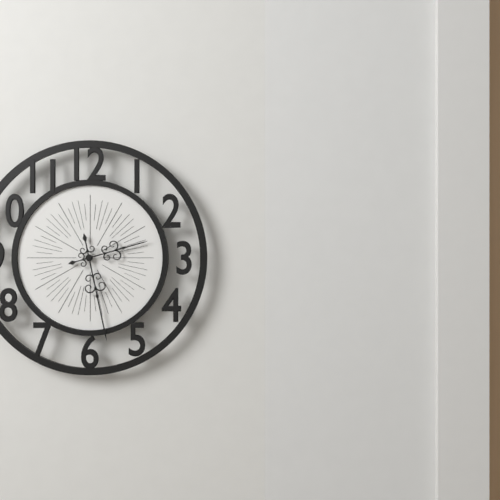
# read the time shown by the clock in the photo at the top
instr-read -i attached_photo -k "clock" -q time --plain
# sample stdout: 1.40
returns 2.28
